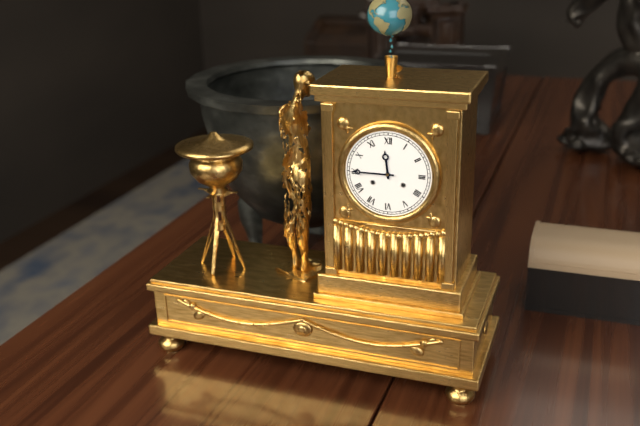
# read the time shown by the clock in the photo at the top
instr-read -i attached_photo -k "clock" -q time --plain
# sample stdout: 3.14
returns 11.45
